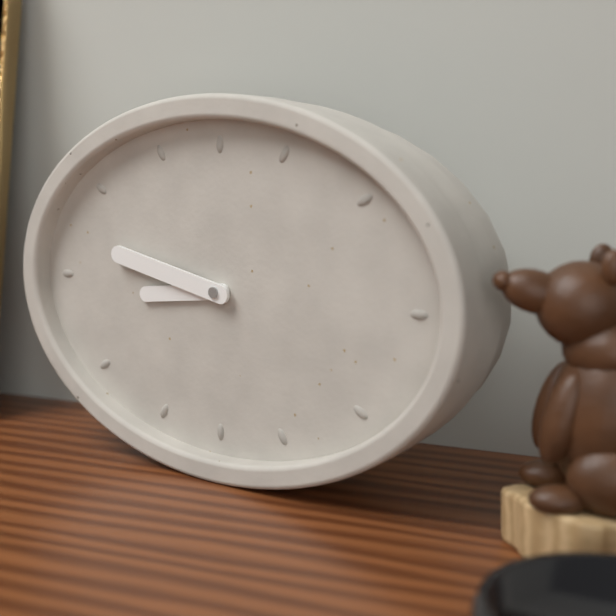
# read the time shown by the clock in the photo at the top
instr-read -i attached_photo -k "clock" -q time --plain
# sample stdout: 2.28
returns 8.47
